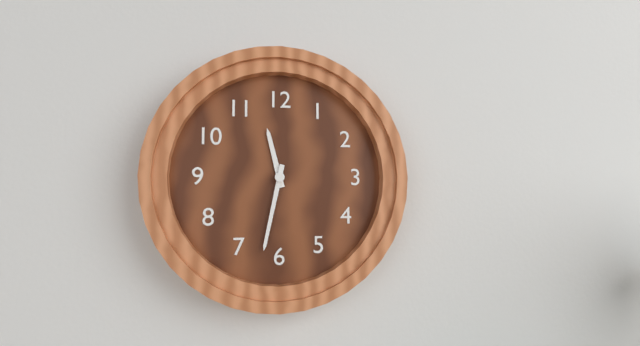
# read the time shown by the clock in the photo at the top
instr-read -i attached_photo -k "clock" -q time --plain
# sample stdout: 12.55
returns 11.32
